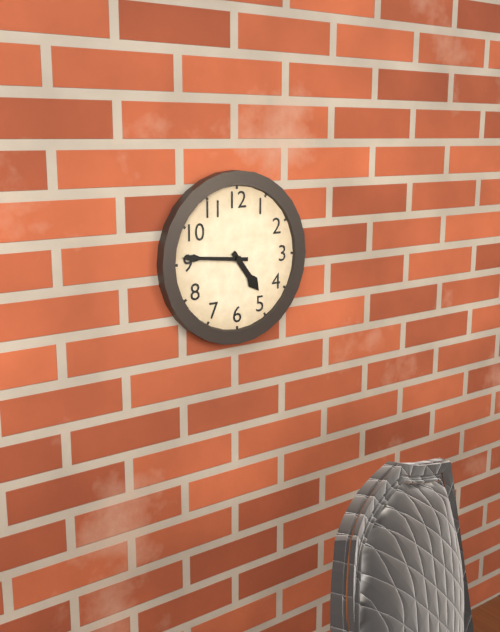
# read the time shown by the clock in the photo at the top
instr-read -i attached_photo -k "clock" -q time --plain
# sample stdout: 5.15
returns 4.46
